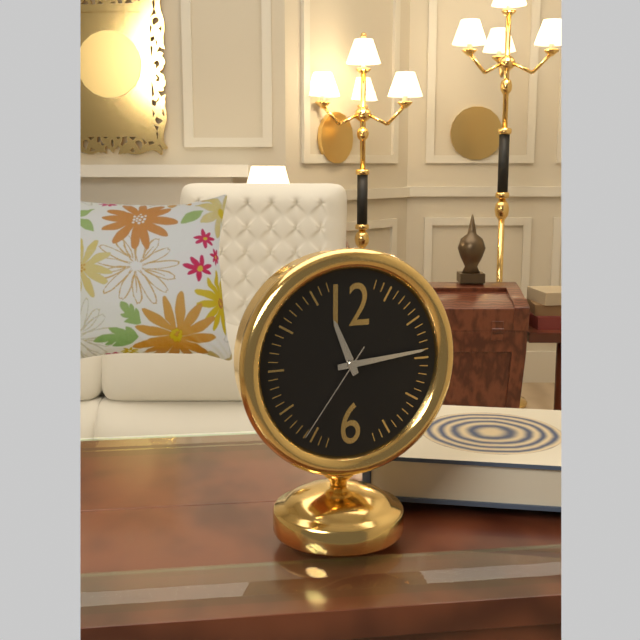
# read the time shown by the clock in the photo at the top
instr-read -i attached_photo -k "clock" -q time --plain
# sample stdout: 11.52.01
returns 11.14.36
